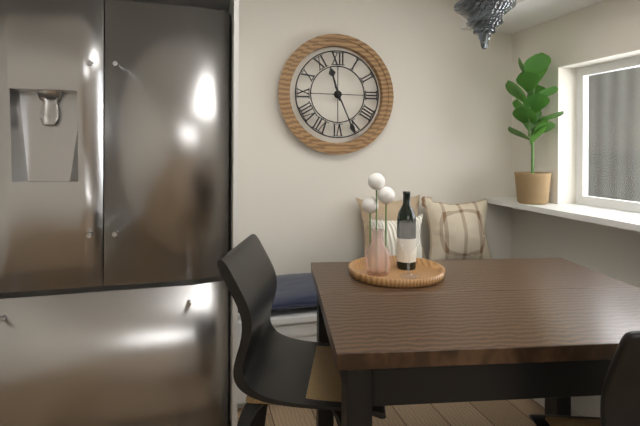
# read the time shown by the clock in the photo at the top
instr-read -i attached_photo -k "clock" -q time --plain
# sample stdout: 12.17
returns 11.26
